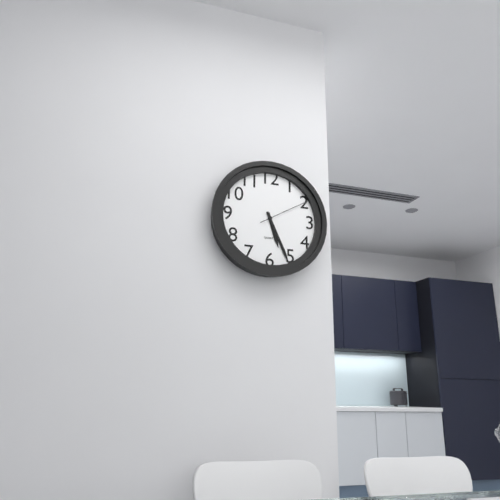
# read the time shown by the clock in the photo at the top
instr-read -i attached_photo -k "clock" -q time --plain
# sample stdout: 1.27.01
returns 5.26.10
